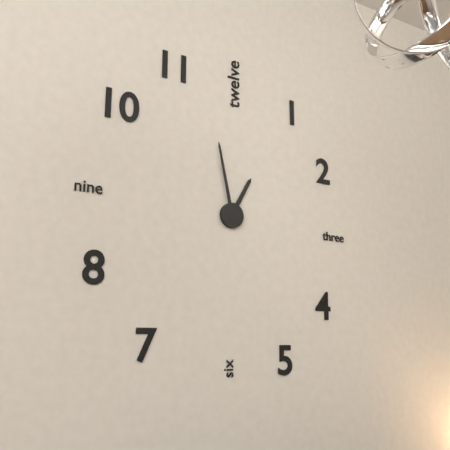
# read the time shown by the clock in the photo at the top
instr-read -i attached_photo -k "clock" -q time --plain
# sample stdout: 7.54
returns 12.58
